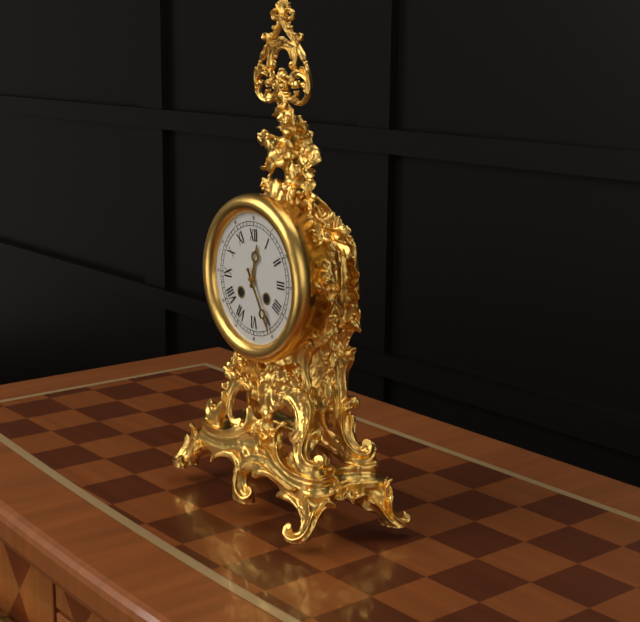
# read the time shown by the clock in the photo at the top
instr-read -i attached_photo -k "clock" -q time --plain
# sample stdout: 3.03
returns 12.25
